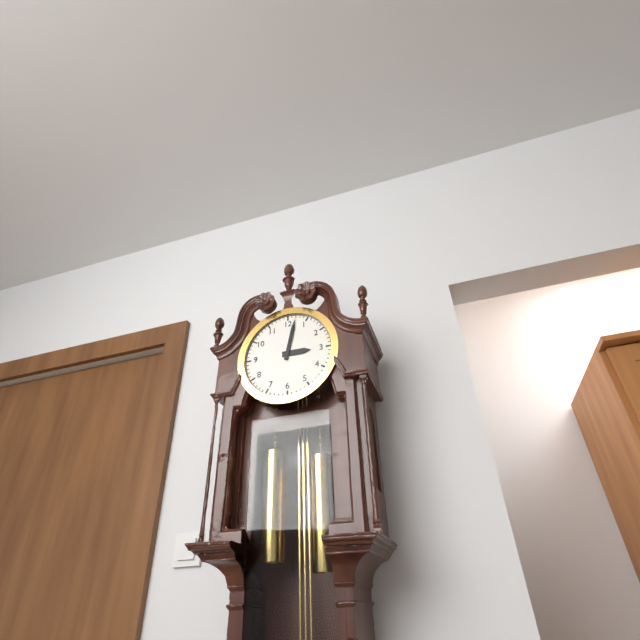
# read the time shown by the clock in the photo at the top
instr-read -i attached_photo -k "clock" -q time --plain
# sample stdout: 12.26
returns 3.02
